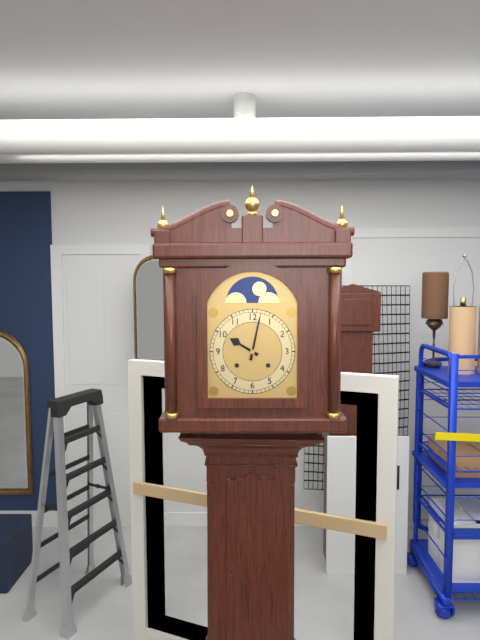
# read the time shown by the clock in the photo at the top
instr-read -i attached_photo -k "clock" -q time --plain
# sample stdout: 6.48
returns 10.02
